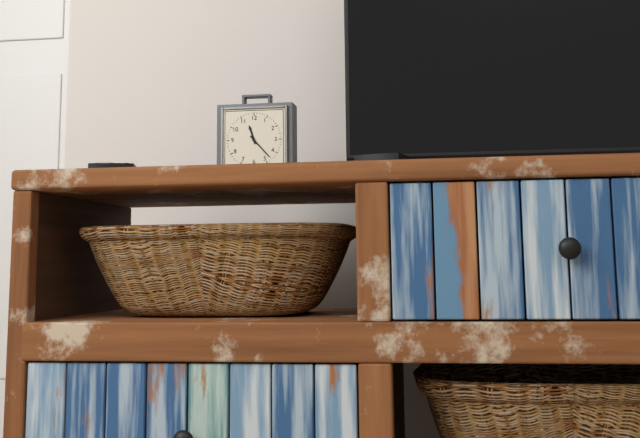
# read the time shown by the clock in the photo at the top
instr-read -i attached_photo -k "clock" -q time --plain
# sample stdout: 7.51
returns 11.23
